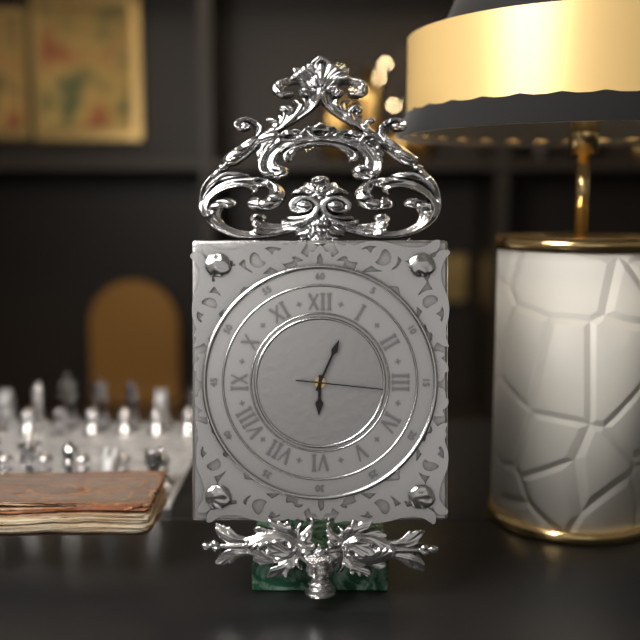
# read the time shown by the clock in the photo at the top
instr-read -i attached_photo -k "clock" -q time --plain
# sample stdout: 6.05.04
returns 6.04.16
